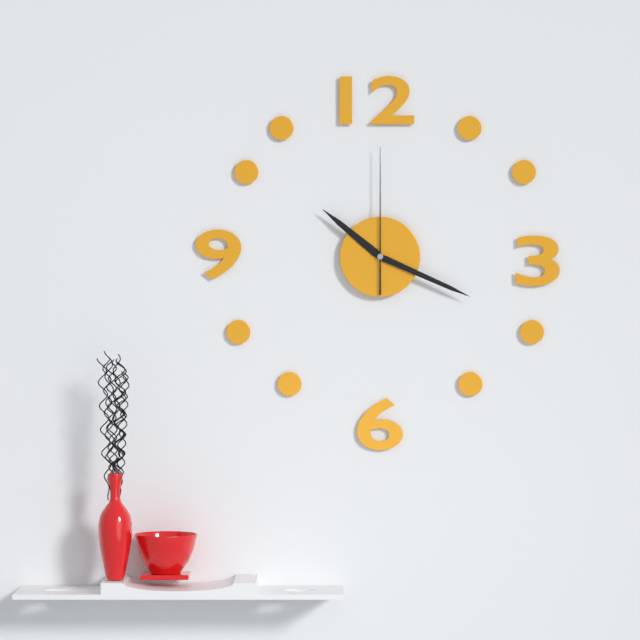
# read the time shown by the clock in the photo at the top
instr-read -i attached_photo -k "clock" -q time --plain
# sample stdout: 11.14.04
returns 10.19.00
